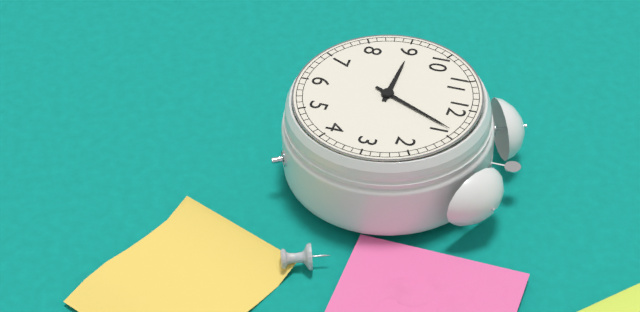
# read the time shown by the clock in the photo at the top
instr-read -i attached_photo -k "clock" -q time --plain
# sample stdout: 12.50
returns 9.04
